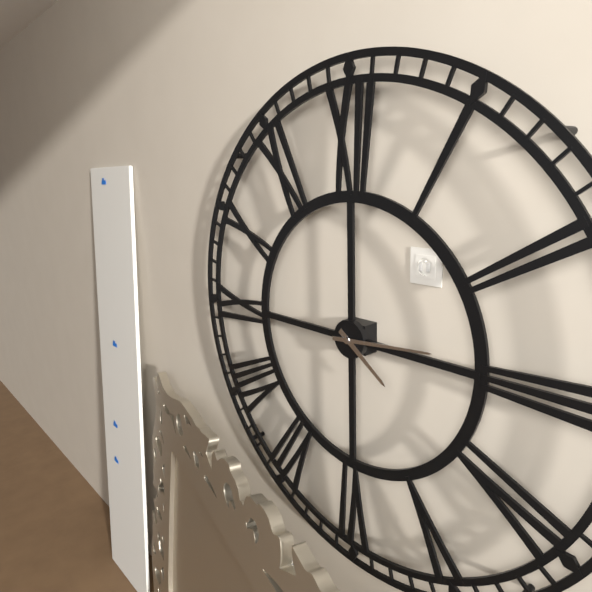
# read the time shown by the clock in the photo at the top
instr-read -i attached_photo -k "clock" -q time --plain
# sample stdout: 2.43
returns 4.14
